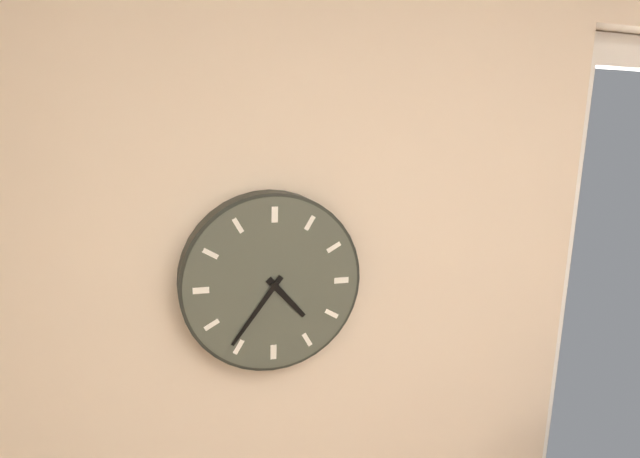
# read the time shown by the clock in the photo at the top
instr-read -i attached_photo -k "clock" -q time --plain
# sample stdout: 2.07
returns 4.36
